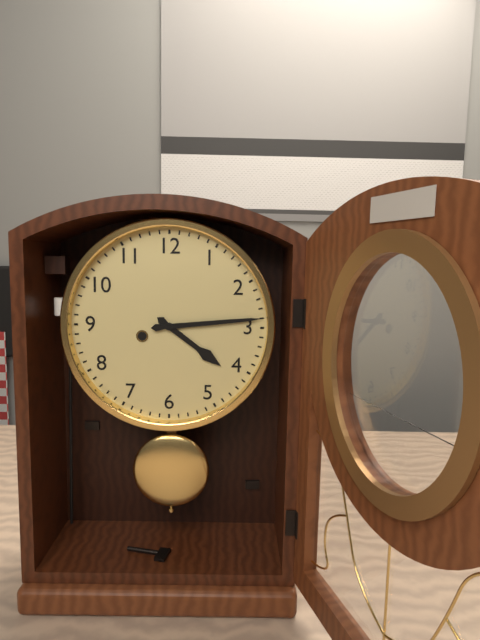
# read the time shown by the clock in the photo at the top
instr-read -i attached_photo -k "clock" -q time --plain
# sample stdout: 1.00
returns 4.14
